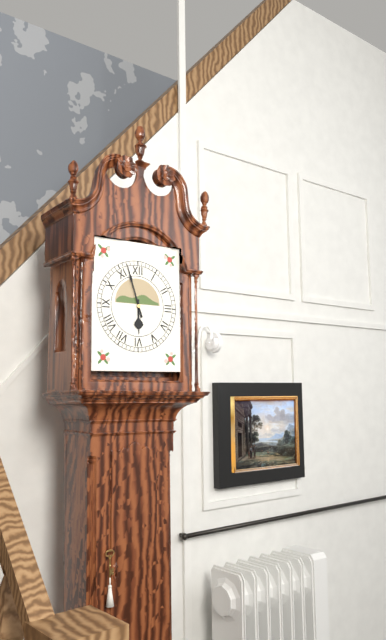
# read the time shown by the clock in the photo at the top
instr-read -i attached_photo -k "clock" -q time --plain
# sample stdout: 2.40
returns 5.57
